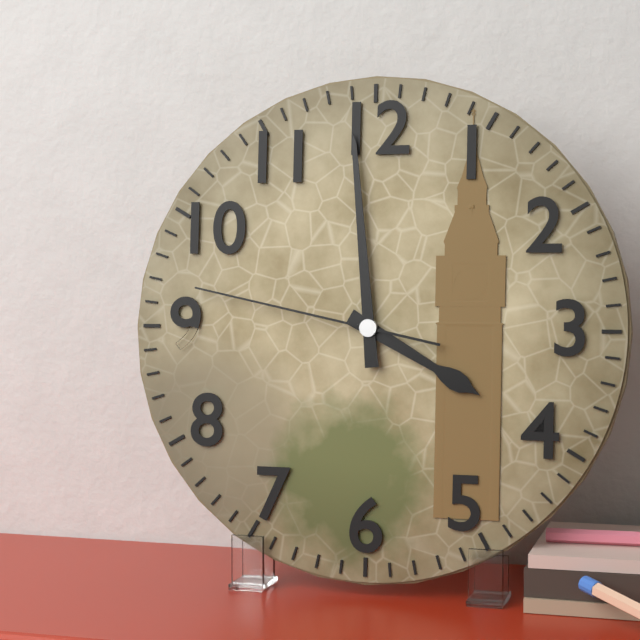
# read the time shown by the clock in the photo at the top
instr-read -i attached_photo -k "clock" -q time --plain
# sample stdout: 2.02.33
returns 3.59.47
